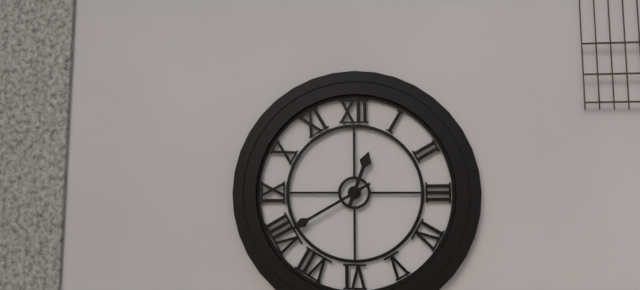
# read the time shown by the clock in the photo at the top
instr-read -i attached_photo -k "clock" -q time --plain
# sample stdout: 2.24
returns 12.40
